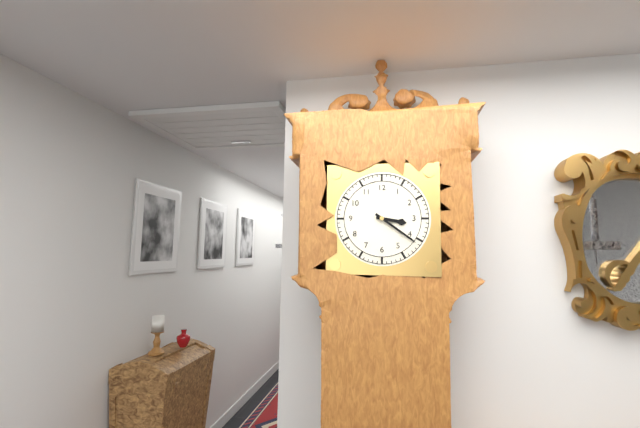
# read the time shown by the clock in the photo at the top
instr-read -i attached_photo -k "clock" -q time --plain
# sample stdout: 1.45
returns 3.21
